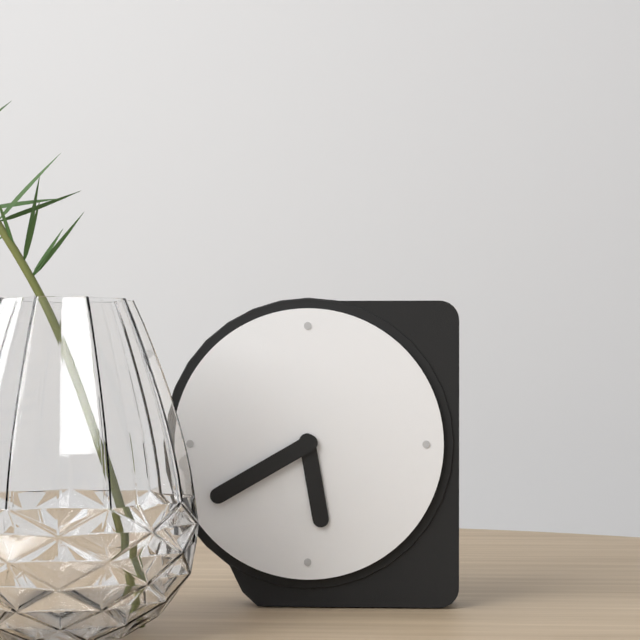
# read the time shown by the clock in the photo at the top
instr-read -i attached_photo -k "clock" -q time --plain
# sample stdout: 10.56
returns 5.40
